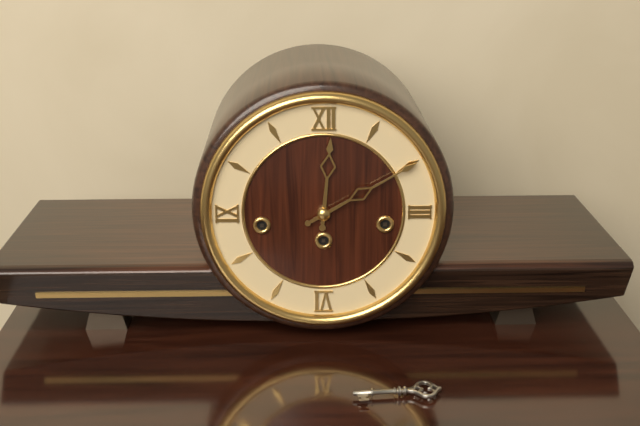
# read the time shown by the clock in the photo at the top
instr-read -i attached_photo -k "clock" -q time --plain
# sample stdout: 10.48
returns 12.10
